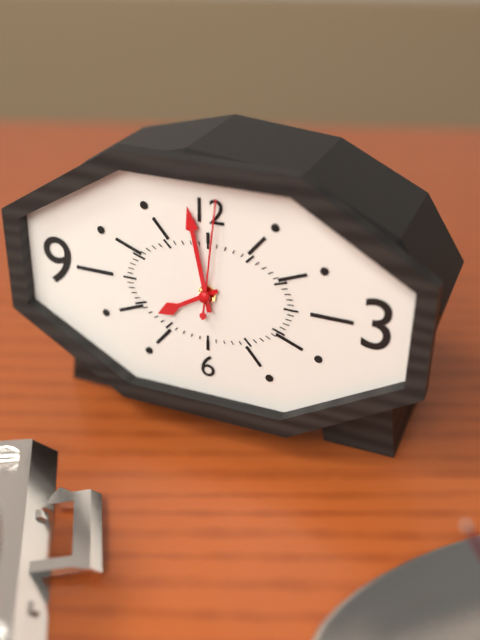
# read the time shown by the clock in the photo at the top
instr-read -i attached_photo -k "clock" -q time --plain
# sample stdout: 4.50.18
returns 7.58.01
